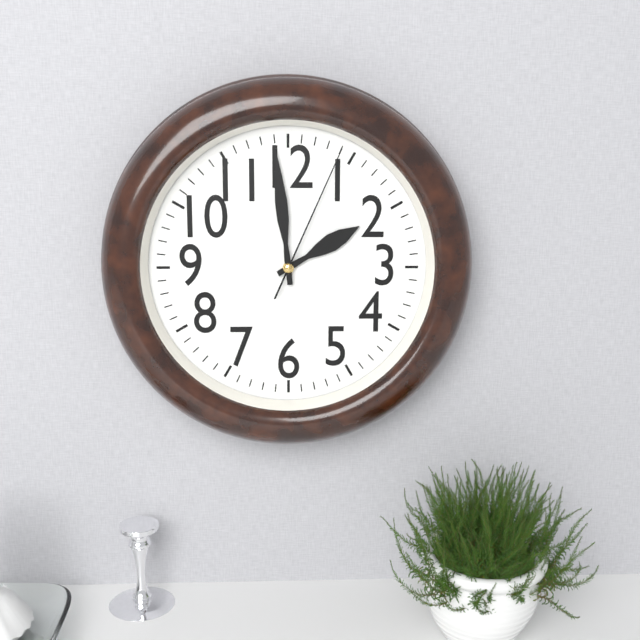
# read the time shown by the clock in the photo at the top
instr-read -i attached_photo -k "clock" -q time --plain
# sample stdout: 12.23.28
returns 1.59.04
